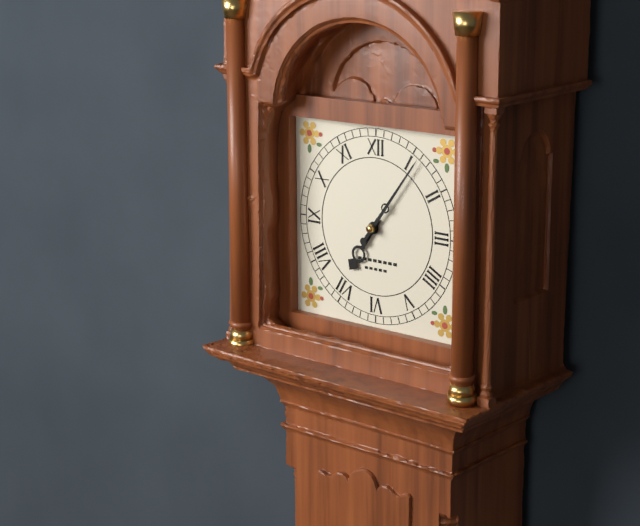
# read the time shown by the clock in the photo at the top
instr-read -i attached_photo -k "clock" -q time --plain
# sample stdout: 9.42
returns 7.06
